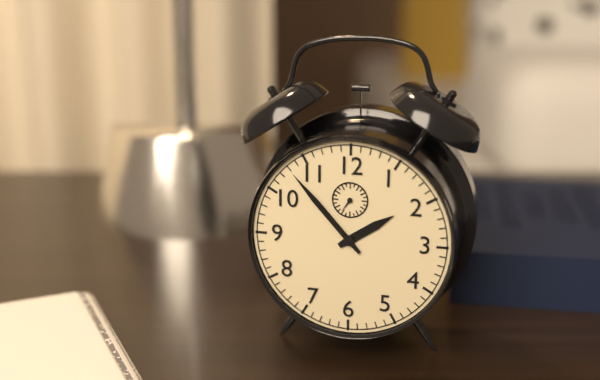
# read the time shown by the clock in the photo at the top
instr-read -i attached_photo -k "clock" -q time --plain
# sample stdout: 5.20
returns 1.53
